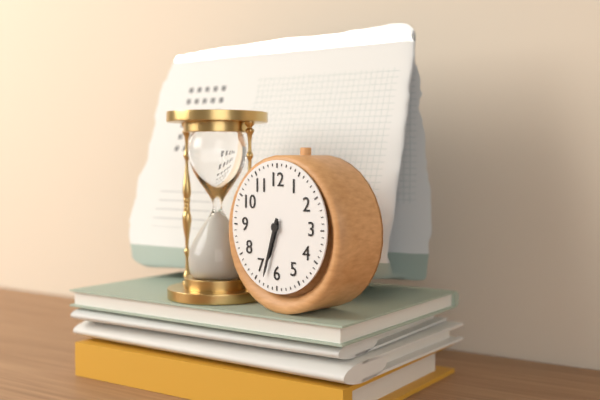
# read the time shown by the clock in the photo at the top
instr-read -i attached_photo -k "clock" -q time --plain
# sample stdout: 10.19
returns 6.33
